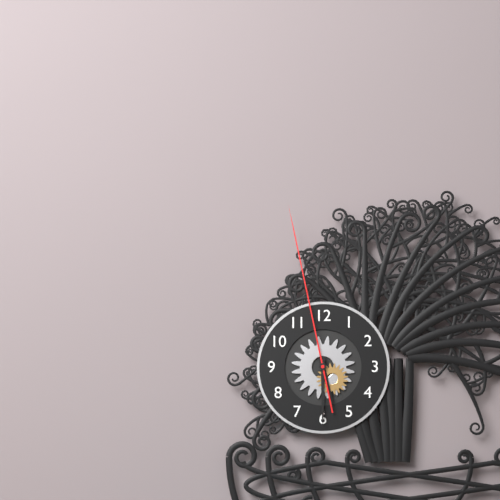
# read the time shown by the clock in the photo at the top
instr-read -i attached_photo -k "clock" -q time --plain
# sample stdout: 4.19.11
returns 5.30.58
